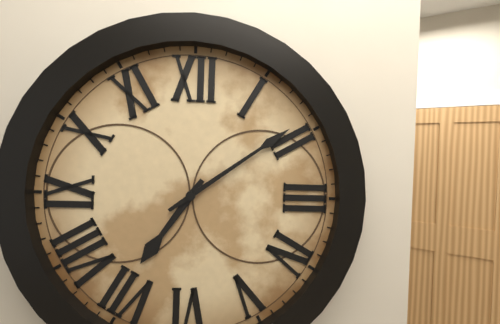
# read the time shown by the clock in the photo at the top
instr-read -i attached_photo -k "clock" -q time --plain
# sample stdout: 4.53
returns 7.09
